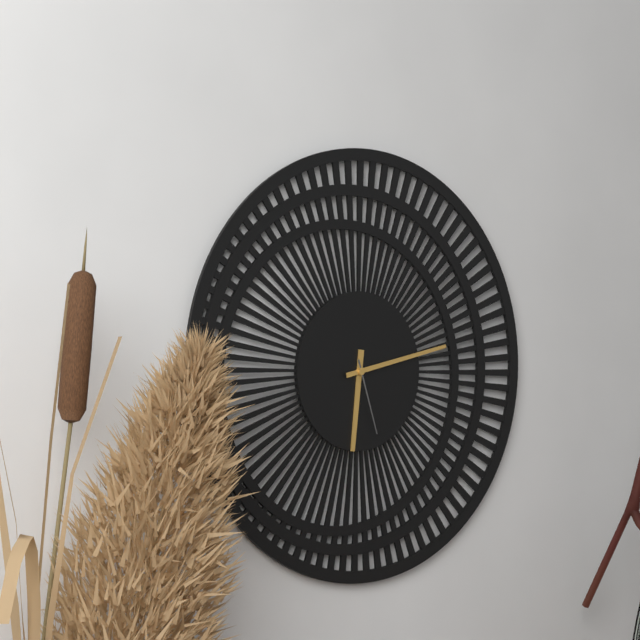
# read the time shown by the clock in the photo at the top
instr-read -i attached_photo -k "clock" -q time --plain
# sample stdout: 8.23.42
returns 6.13.27
